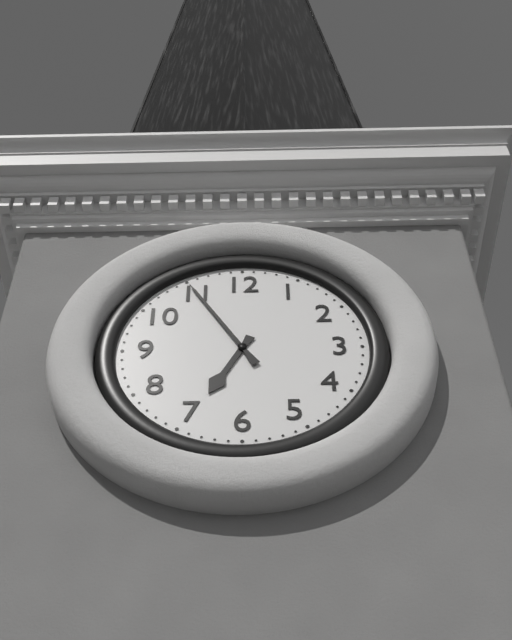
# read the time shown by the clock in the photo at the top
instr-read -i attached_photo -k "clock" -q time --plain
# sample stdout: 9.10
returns 6.55
